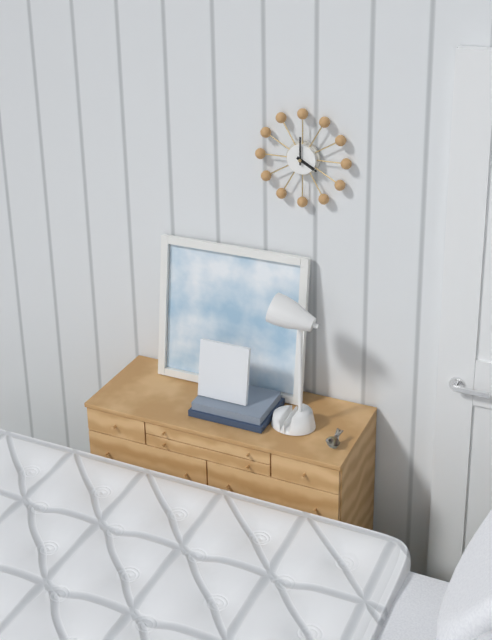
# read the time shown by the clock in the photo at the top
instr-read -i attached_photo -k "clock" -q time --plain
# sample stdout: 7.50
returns 4.00
